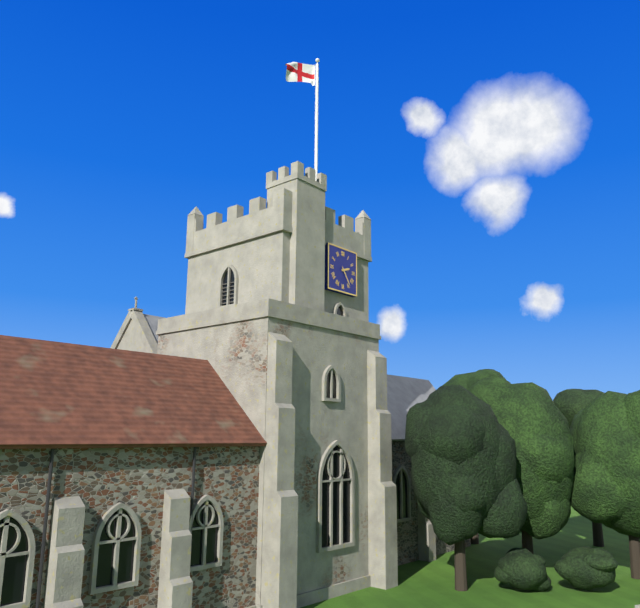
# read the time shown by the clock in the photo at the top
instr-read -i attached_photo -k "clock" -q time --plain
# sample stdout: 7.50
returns 2.24
